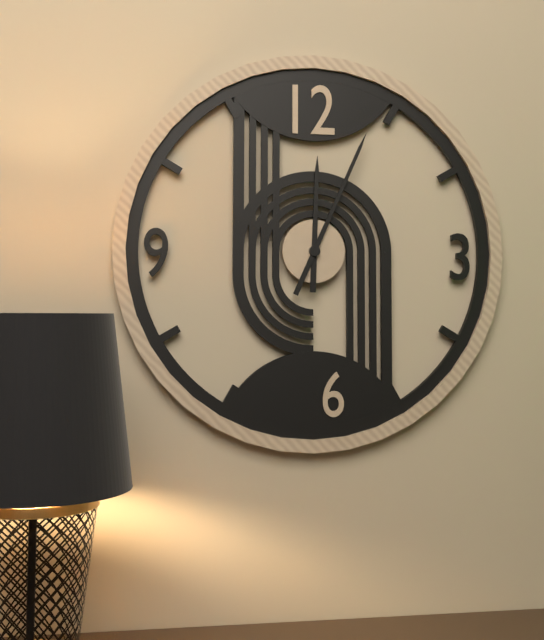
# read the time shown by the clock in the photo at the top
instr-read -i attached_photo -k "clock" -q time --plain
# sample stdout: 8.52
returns 12.04
